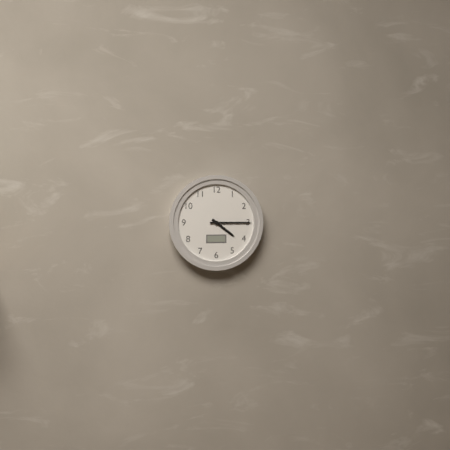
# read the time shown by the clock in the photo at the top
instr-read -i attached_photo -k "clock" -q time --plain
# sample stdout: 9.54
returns 4.15
